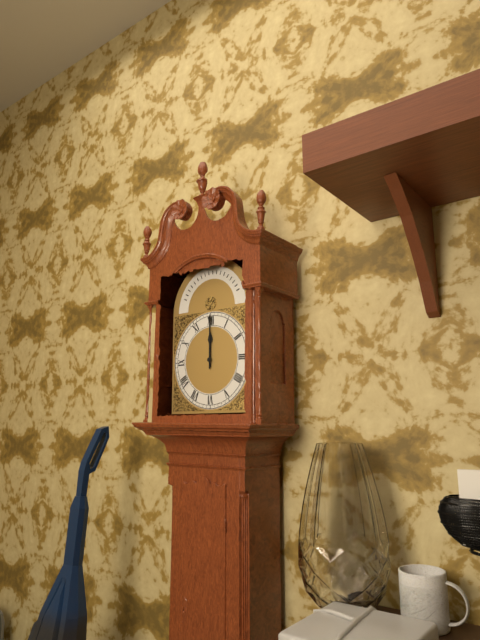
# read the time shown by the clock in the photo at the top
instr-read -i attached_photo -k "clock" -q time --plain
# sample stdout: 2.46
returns 12.00
